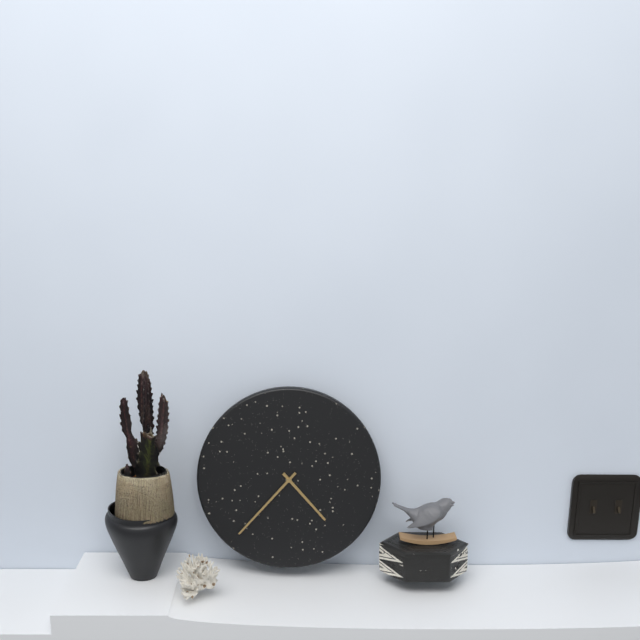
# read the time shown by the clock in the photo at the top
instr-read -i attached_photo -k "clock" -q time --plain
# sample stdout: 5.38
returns 4.37
